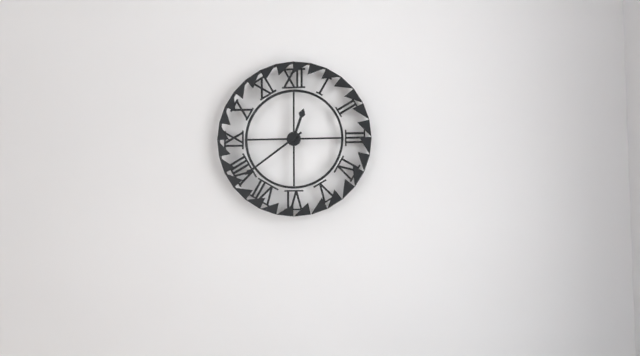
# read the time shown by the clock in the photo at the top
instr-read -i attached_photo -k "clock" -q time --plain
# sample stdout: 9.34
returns 12.39
